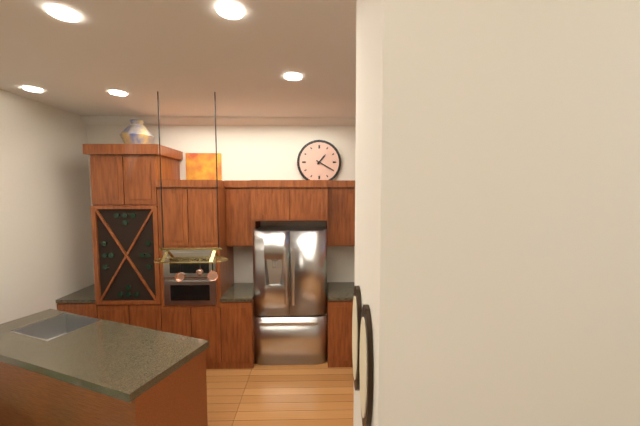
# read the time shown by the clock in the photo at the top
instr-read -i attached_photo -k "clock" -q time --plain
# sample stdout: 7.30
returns 1.20
